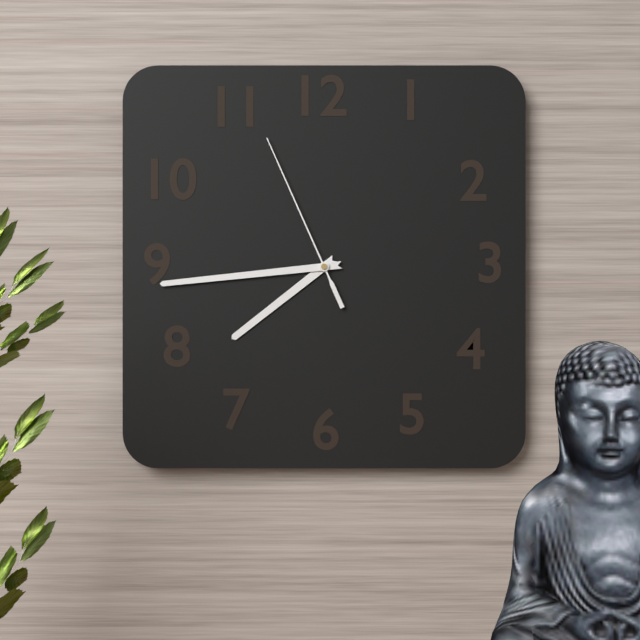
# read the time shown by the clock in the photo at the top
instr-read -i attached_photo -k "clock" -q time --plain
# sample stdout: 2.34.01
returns 7.44.56
